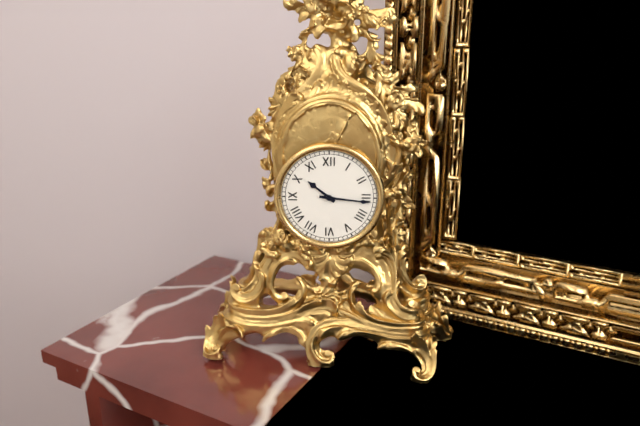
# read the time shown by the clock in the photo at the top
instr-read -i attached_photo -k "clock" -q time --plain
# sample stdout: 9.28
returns 10.16
